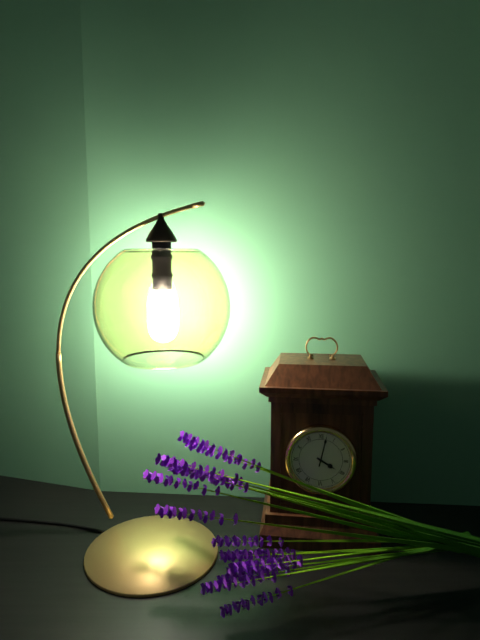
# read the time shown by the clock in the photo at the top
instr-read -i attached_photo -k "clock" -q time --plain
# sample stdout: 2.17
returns 4.02
